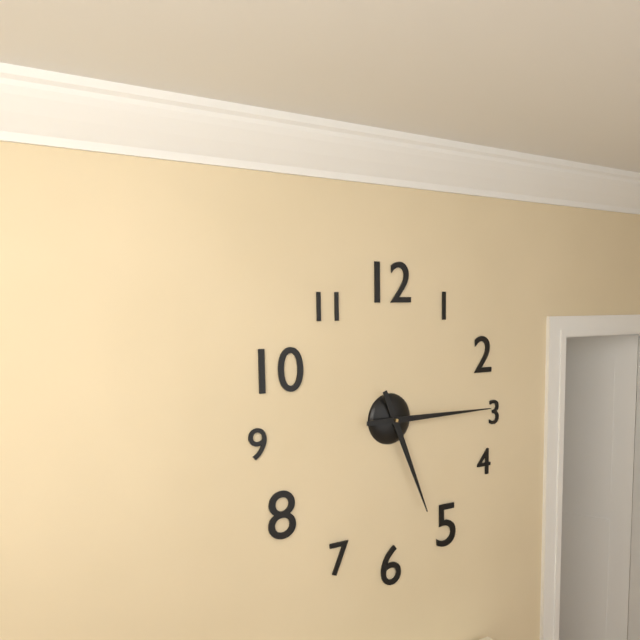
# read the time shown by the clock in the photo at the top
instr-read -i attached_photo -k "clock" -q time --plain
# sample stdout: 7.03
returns 5.15
